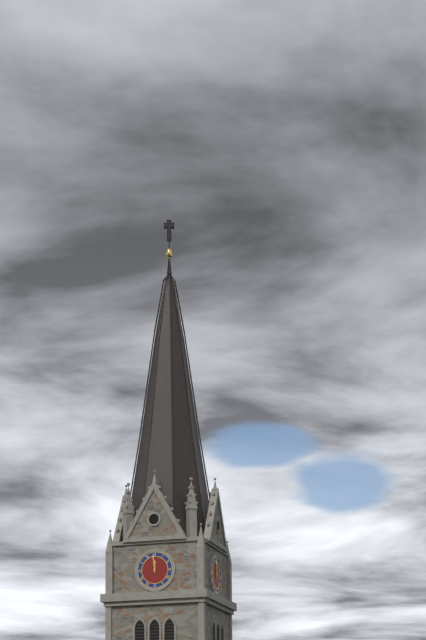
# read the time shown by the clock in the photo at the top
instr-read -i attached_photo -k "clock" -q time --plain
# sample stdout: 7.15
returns 11.59
